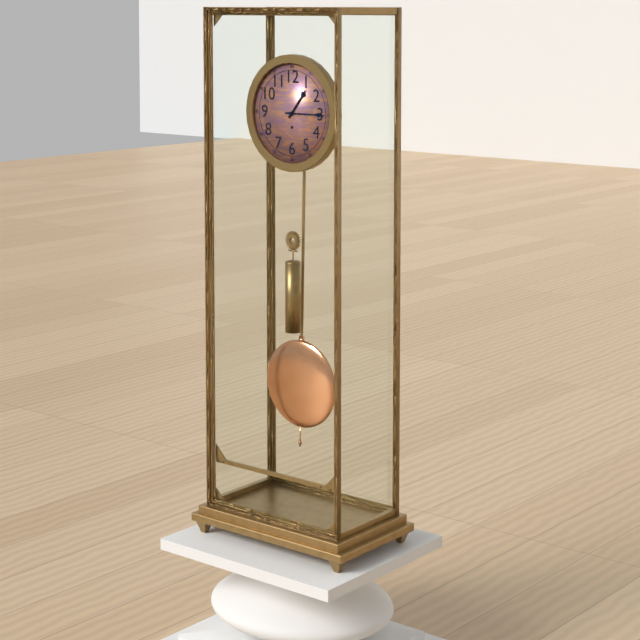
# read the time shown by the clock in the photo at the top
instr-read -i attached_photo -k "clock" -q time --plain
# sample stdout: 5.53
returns 1.15
